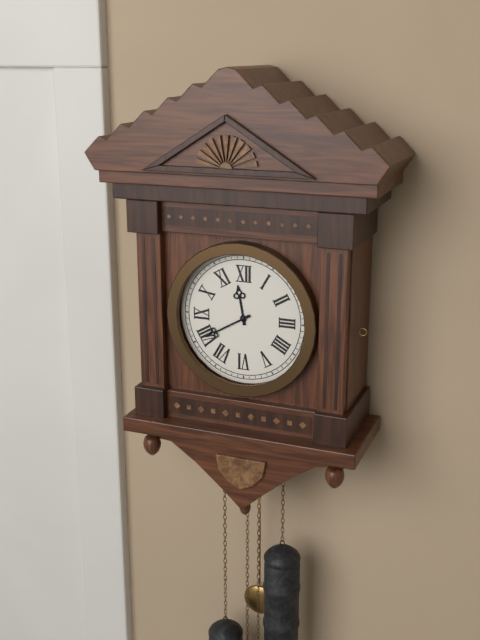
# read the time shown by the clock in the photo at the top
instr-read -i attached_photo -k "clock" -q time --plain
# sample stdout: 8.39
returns 11.40
